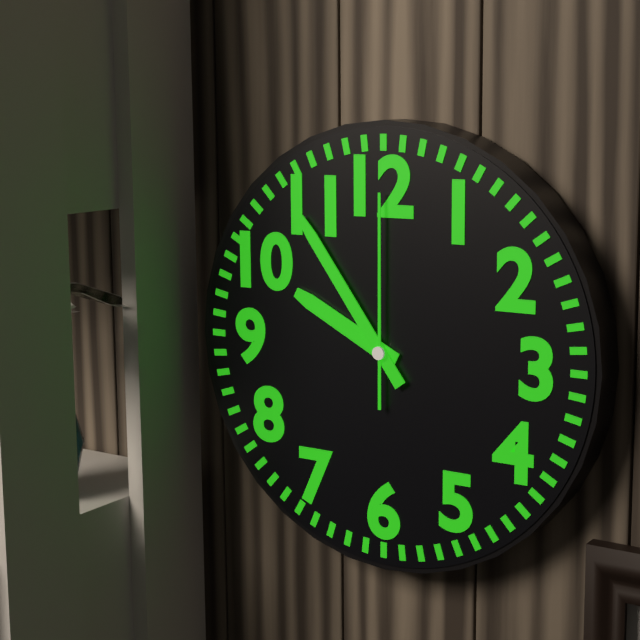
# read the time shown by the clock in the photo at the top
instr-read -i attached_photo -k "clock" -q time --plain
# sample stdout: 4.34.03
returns 9.54.00
